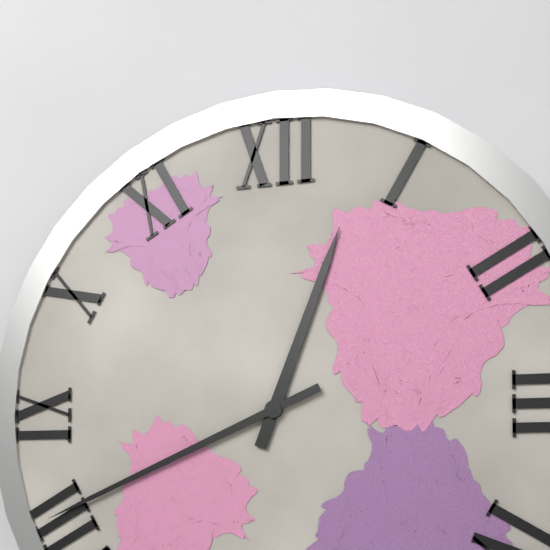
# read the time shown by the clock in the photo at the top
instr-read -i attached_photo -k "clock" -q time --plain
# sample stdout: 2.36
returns 12.41
